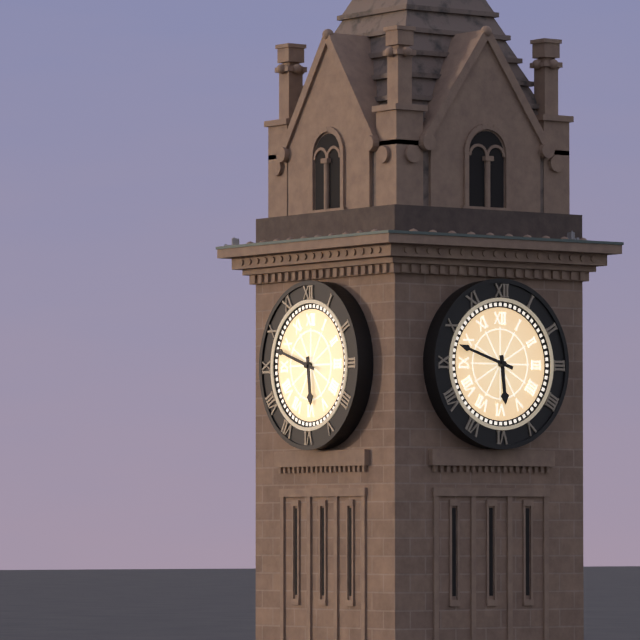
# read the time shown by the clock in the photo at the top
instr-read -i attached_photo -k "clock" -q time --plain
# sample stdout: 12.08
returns 5.48
